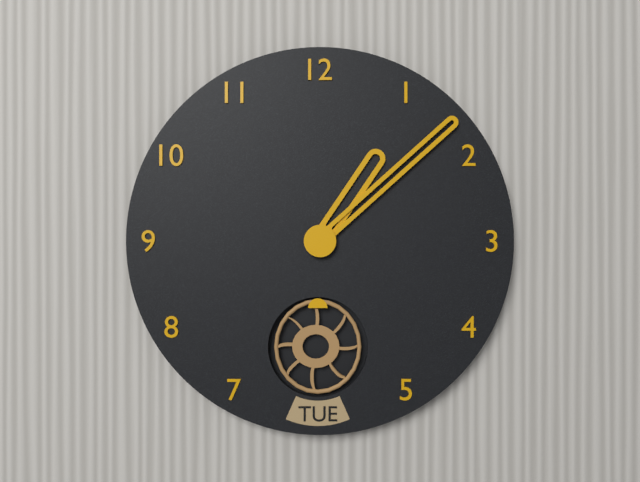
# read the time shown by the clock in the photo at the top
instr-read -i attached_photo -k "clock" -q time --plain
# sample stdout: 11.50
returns 1.08
